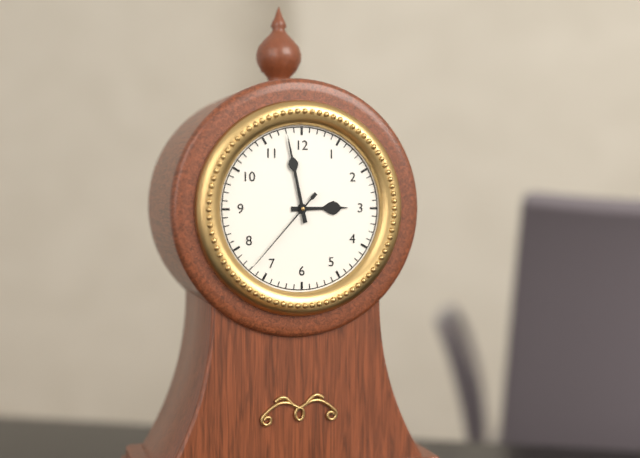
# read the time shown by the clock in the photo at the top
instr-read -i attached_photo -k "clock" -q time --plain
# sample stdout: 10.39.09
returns 2.58.37
